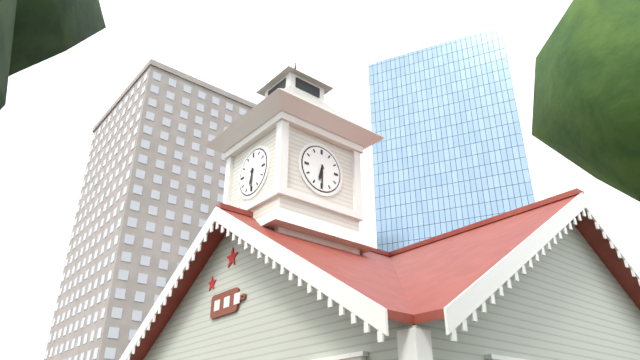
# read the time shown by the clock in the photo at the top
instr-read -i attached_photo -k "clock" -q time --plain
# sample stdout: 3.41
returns 6.30
